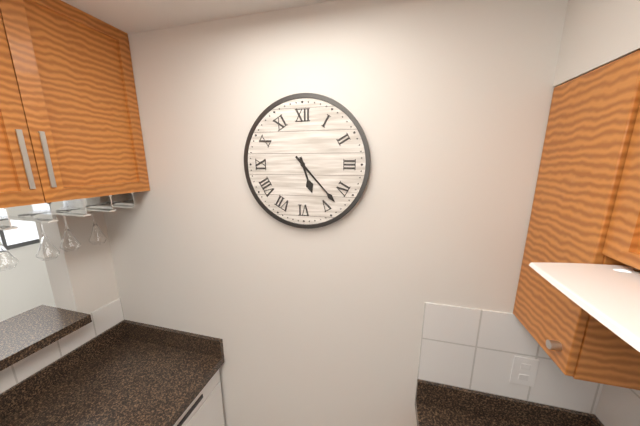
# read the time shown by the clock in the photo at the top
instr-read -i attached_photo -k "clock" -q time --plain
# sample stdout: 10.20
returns 5.23
